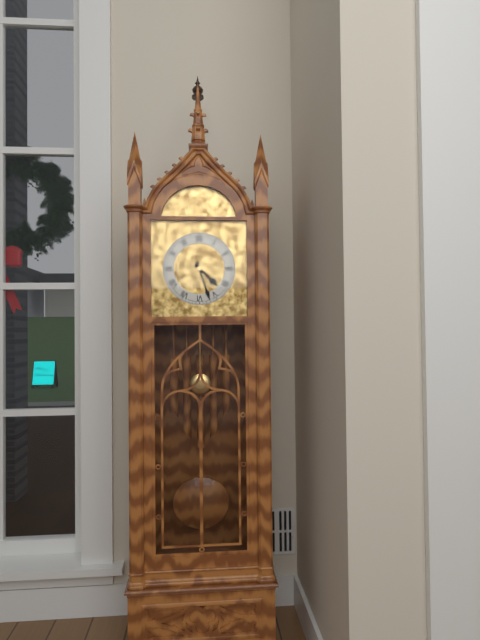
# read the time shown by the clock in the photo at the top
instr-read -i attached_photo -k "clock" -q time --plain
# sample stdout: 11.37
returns 4.27
